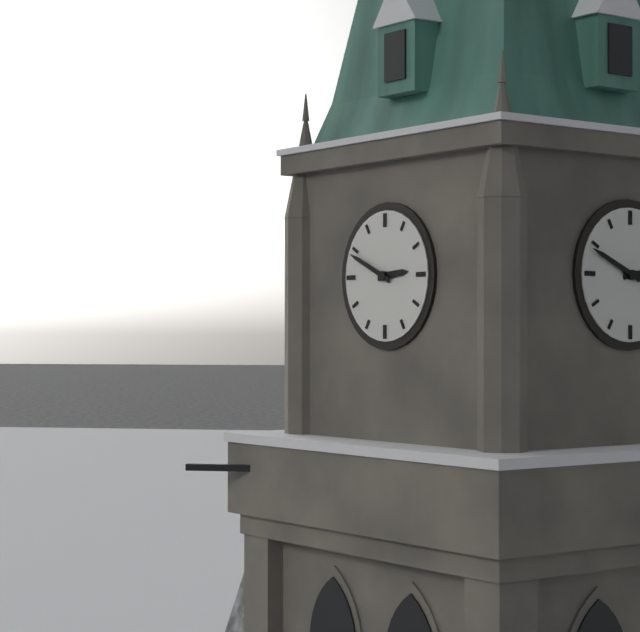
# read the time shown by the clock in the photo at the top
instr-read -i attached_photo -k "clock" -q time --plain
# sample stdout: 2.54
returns 2.49
